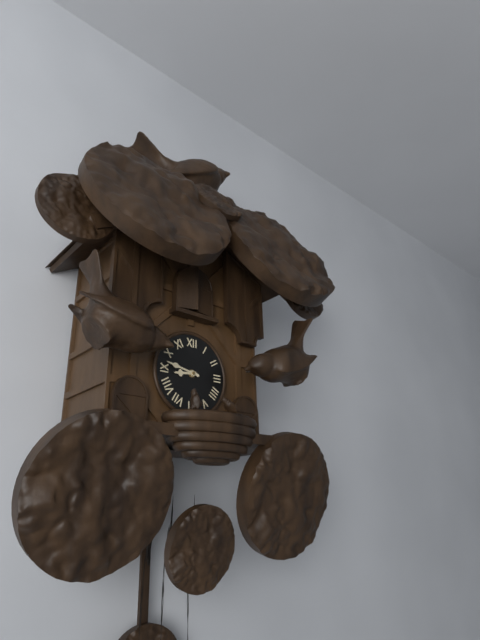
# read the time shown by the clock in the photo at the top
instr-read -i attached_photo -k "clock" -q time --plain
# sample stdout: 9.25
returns 8.47
